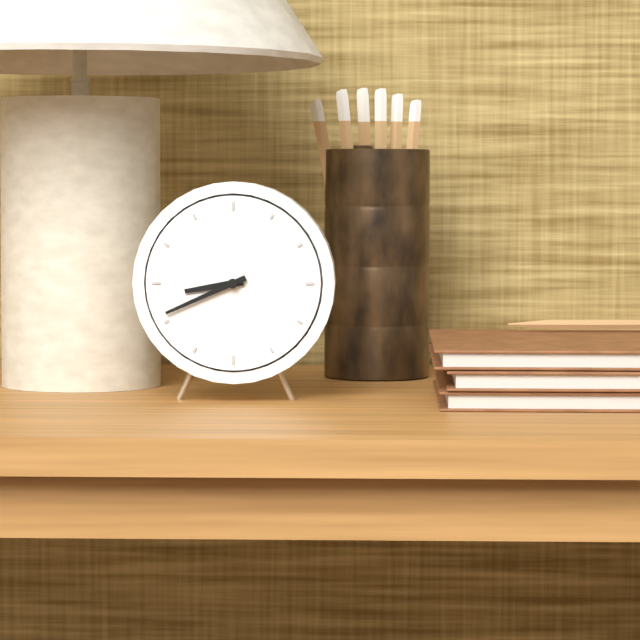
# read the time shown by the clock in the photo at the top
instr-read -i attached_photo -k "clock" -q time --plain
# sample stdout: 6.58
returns 8.41
